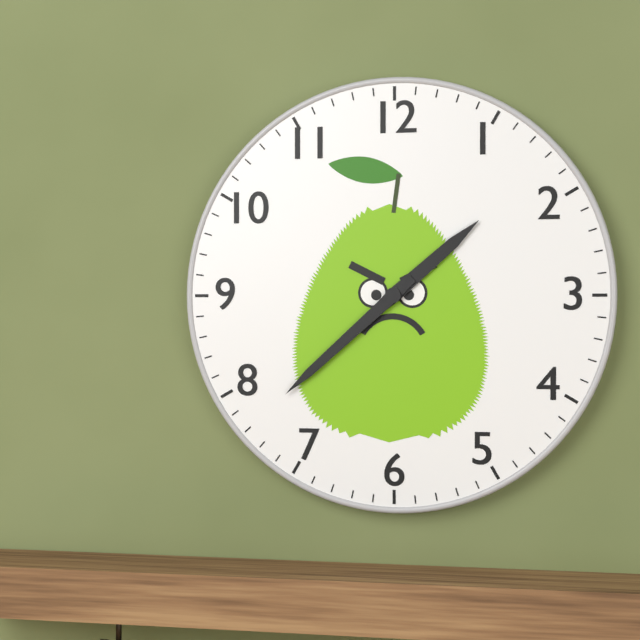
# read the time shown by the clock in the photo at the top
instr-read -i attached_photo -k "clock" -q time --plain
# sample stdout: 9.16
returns 1.38
